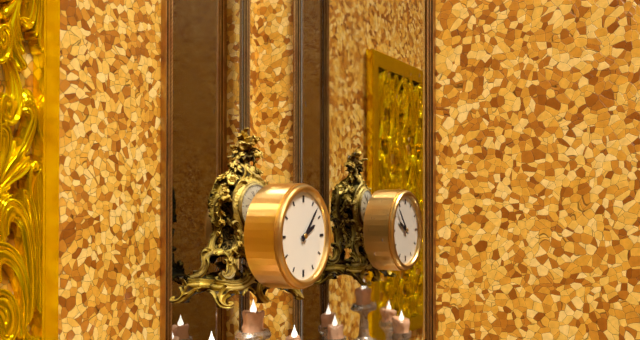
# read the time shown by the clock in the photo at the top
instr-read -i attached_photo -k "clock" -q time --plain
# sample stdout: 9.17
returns 2.07
